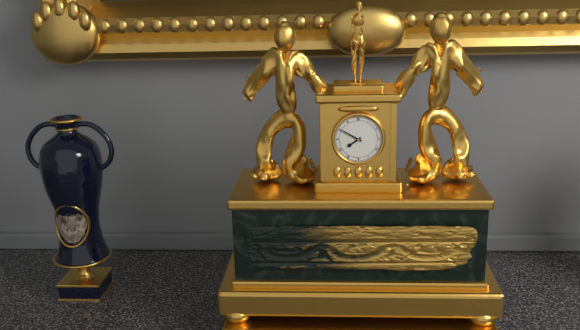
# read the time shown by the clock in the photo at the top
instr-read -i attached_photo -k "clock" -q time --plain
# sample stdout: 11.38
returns 7.50
